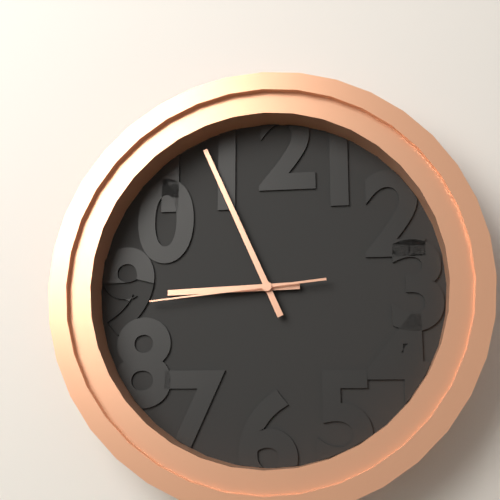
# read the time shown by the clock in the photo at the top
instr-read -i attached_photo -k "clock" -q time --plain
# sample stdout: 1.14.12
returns 8.56.44
